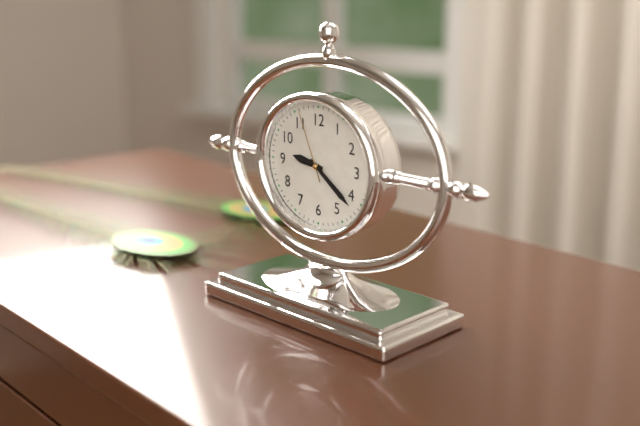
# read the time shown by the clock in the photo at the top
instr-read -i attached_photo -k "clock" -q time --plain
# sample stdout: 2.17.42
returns 9.21.56
